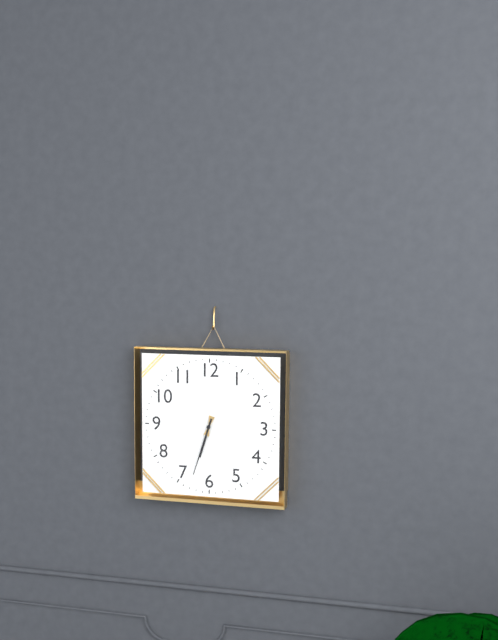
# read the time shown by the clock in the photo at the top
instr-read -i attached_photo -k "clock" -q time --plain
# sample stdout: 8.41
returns 6.33
